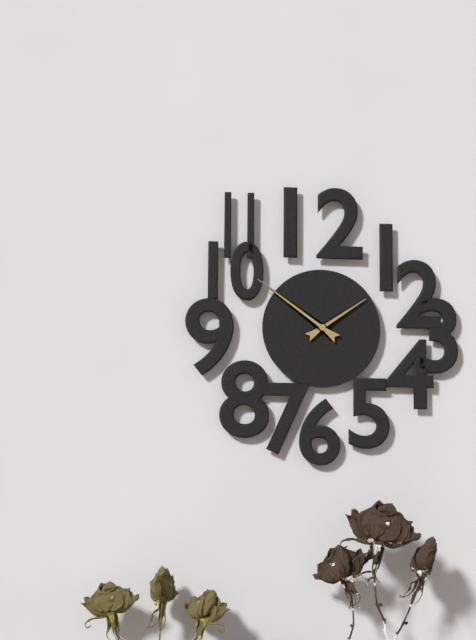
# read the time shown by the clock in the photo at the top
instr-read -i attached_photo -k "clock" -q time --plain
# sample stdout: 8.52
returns 1.51
